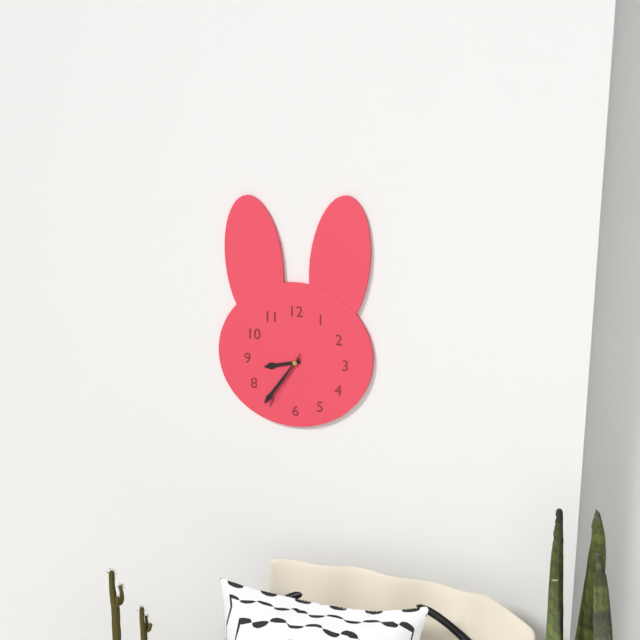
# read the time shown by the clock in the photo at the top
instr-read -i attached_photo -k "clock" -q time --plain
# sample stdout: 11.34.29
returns 8.36.35
